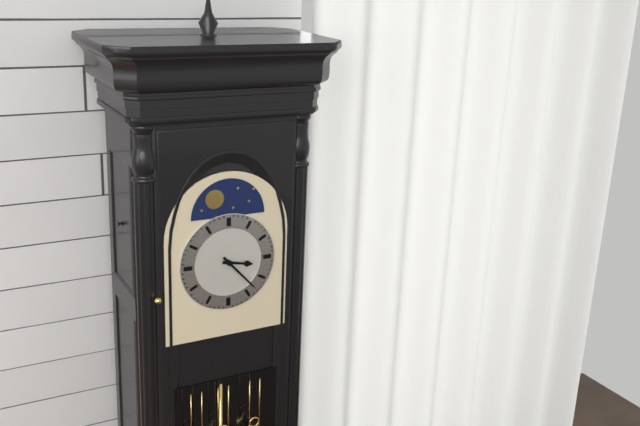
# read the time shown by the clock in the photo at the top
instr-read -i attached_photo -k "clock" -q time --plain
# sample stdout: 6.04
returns 3.23
